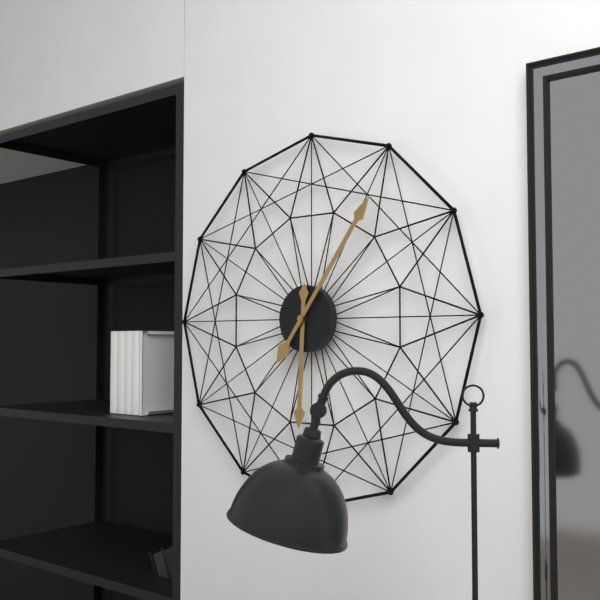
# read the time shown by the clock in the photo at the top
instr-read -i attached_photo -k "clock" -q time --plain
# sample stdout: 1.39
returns 6.06
